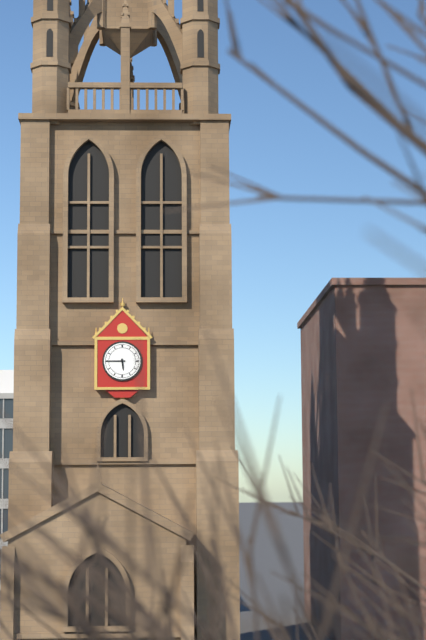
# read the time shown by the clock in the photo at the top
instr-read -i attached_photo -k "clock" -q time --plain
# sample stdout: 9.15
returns 5.45
